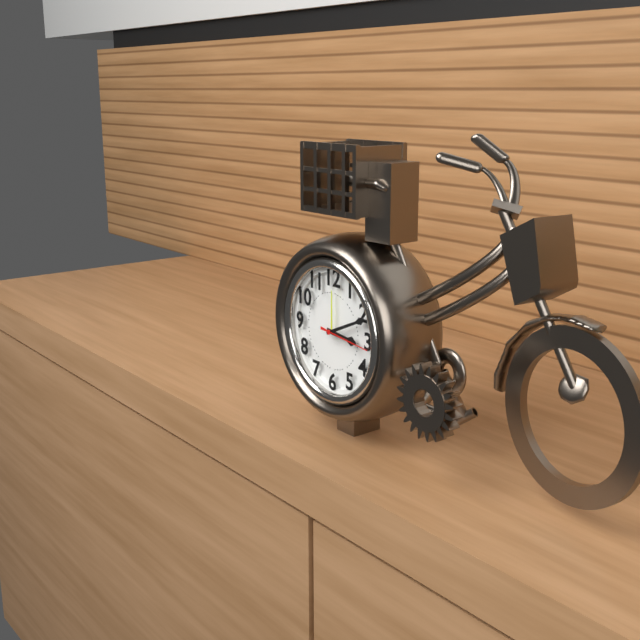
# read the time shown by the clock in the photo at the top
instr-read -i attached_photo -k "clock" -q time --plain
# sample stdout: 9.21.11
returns 3.11.16
